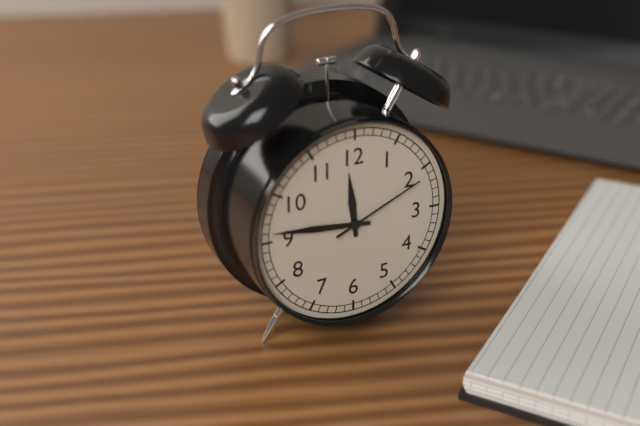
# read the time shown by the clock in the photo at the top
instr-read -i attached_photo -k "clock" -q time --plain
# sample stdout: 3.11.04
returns 11.46.11
